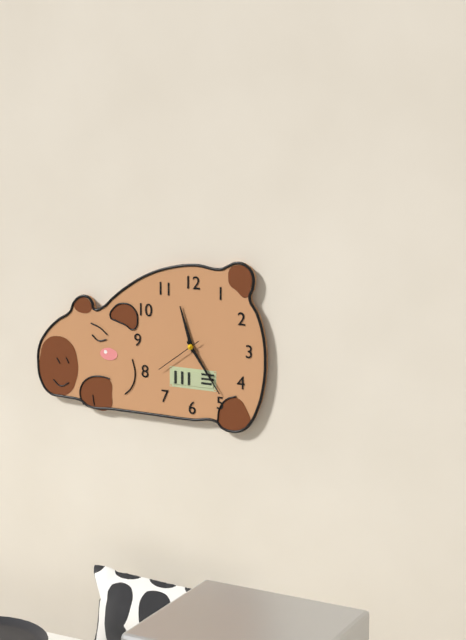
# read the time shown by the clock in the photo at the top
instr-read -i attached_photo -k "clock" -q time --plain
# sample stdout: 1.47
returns 11.24
